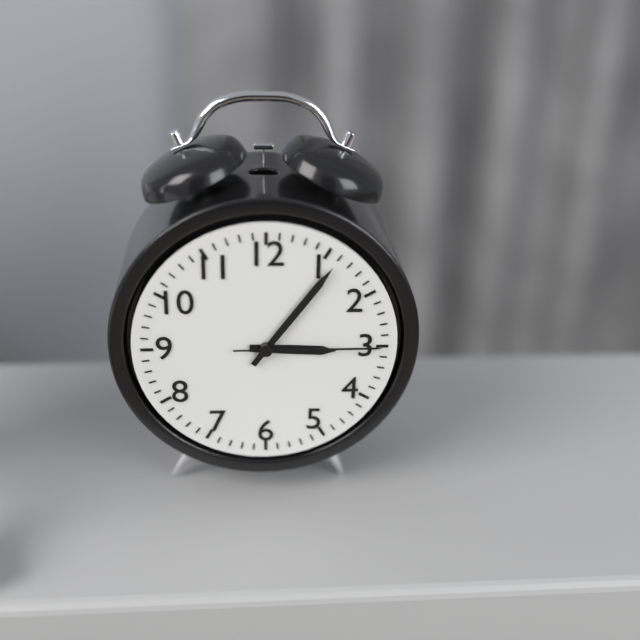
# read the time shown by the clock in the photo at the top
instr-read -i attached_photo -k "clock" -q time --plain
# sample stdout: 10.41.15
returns 3.06.15
